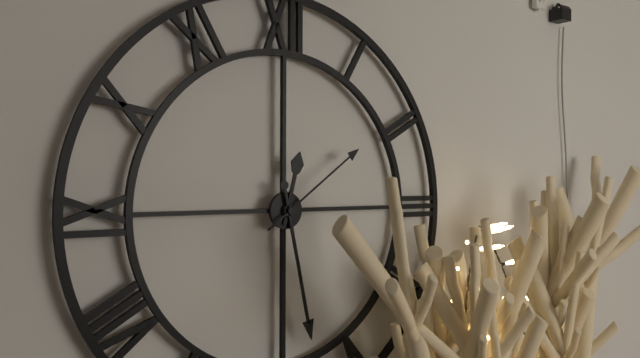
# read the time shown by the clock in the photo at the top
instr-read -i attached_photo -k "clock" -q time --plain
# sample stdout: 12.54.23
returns 12.28.09
